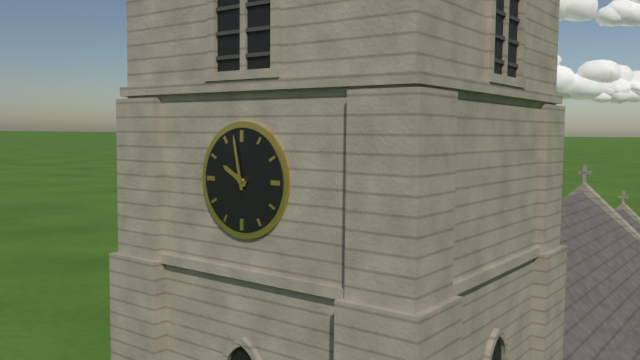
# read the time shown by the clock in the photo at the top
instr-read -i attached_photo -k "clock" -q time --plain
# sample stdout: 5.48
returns 9.58
